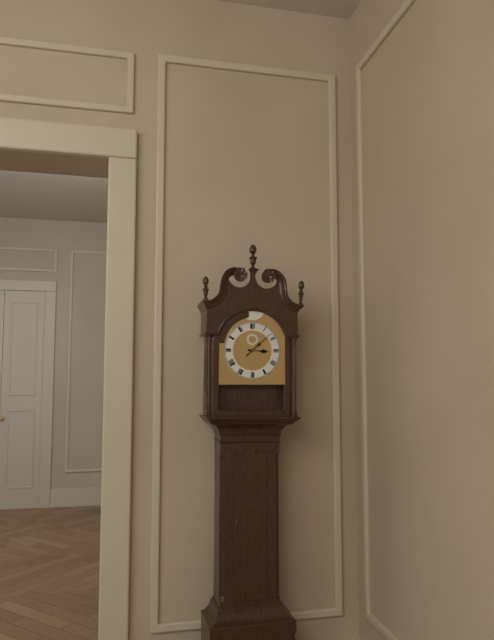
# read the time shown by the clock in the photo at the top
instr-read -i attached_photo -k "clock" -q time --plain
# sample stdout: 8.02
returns 3.08
